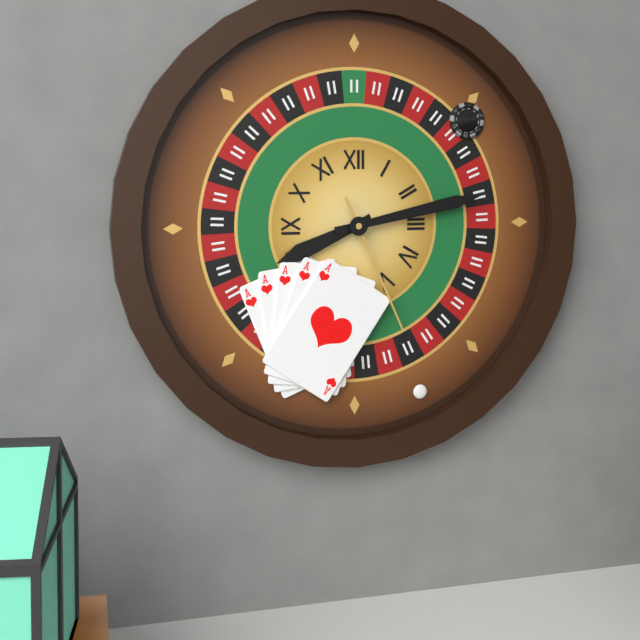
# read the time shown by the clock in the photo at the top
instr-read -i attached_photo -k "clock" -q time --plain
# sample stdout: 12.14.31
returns 8.13.26
